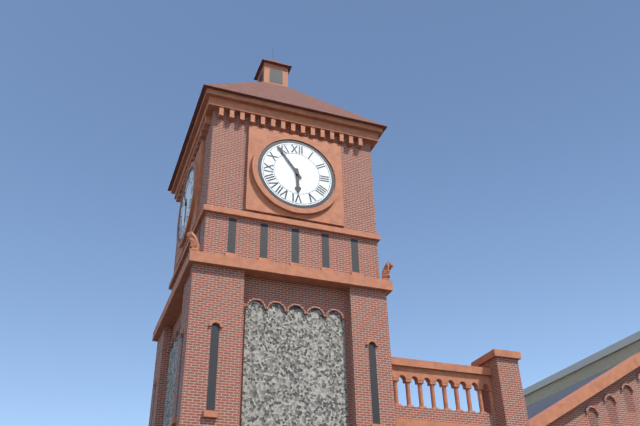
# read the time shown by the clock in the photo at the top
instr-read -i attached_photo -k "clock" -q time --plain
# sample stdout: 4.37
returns 5.54
